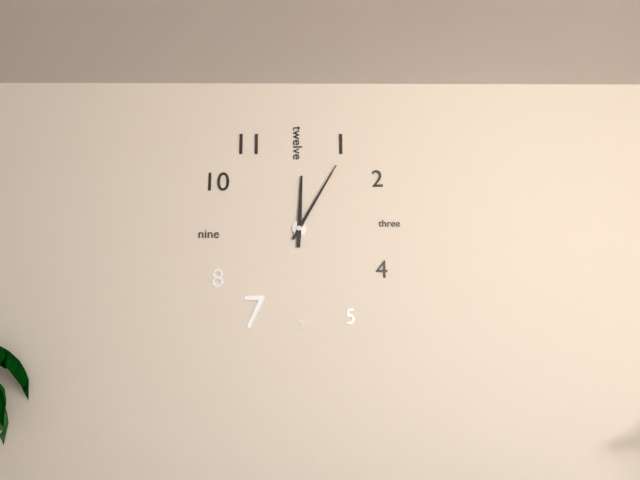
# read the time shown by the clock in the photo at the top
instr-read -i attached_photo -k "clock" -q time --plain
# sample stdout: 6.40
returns 12.05
